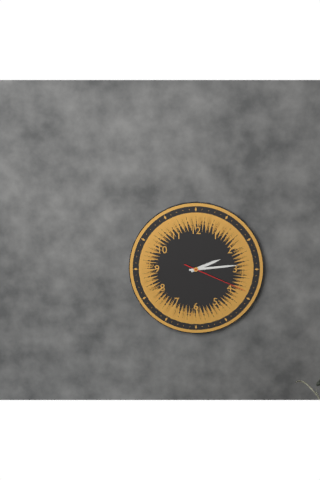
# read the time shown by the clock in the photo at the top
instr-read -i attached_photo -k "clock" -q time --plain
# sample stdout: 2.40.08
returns 2.14.19
